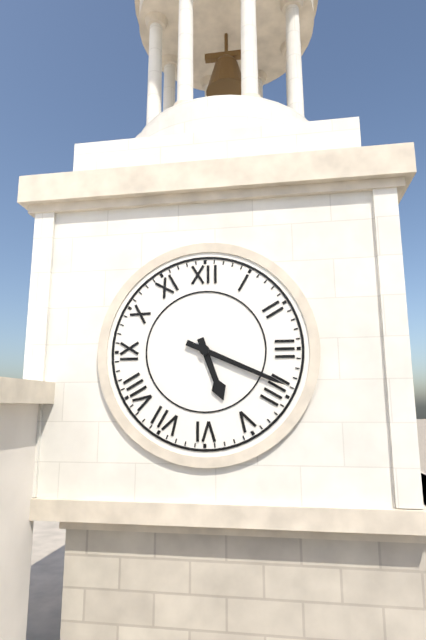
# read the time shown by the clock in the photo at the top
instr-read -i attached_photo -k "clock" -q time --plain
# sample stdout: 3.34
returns 5.19
